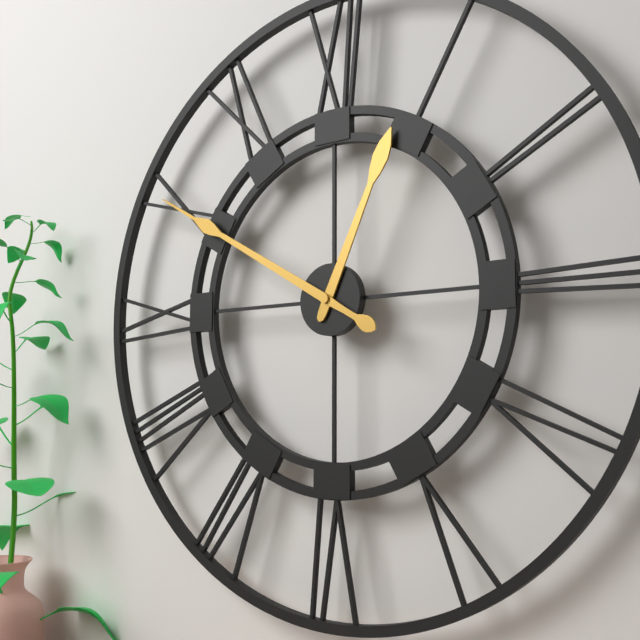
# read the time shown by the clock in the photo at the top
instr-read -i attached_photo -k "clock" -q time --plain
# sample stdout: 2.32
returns 12.50
